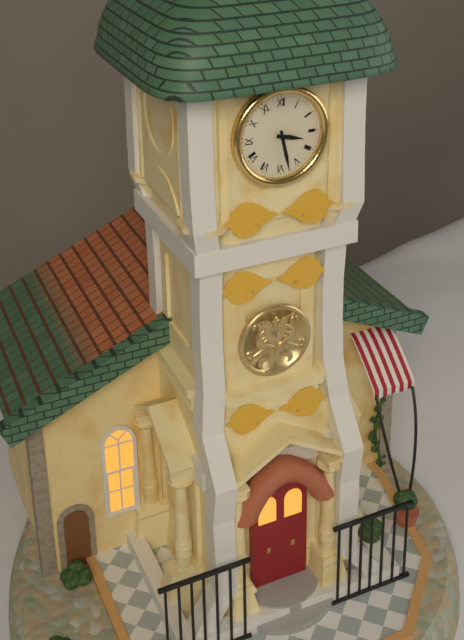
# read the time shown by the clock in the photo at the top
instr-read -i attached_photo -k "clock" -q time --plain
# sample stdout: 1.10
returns 3.28
